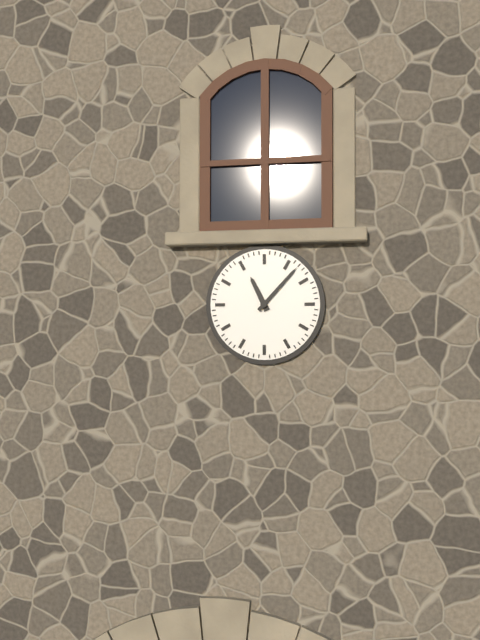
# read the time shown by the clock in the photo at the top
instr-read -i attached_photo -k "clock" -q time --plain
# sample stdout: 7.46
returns 11.07
